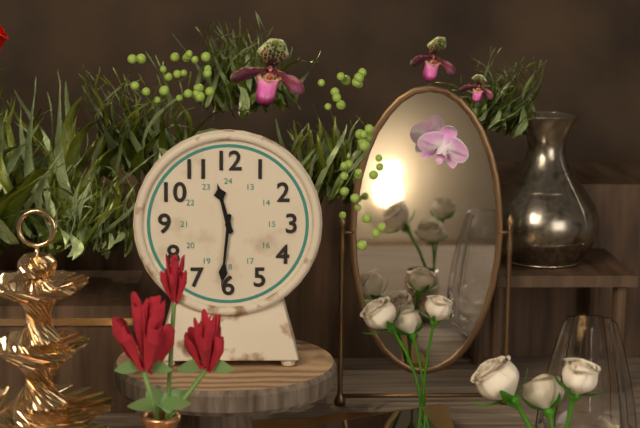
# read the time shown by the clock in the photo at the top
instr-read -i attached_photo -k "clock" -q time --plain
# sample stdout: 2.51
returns 11.31
